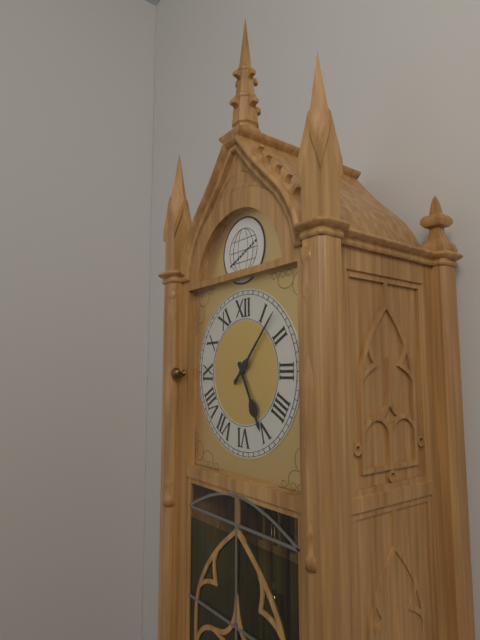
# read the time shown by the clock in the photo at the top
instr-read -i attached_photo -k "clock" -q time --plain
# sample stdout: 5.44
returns 5.07
